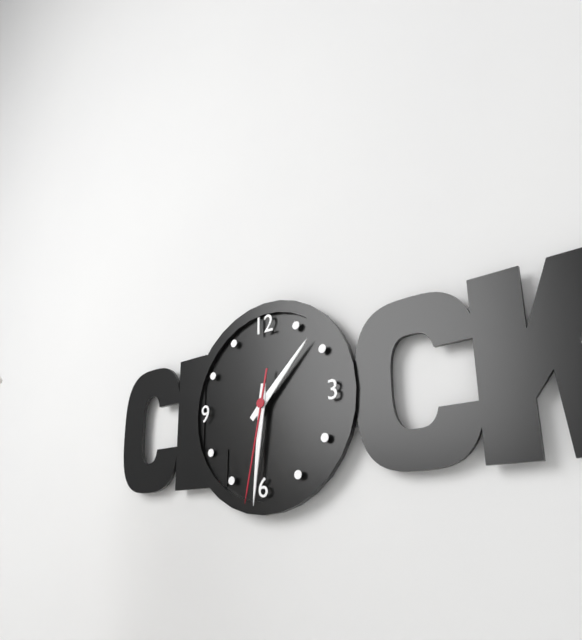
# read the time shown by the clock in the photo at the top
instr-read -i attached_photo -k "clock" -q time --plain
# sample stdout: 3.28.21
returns 1.31.32
